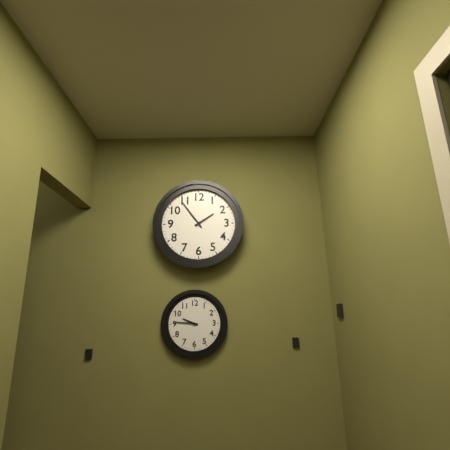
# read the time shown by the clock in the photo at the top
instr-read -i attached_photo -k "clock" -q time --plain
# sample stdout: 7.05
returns 1.54
